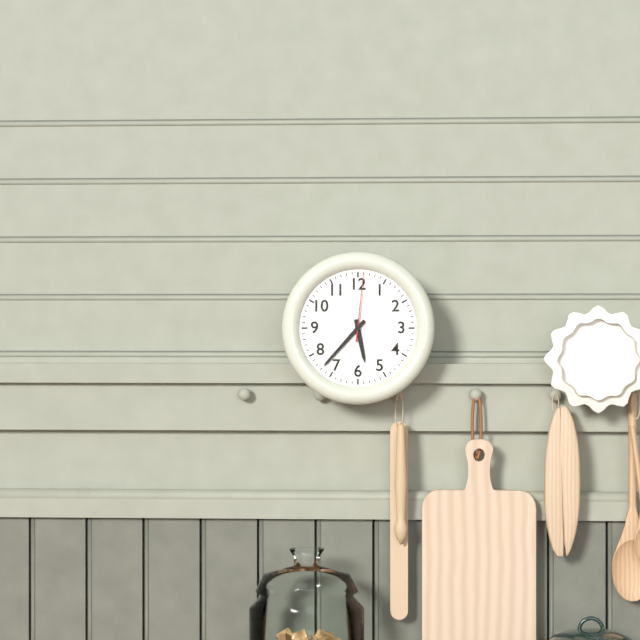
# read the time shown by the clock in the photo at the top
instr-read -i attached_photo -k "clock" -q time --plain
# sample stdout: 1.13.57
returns 5.37.01
